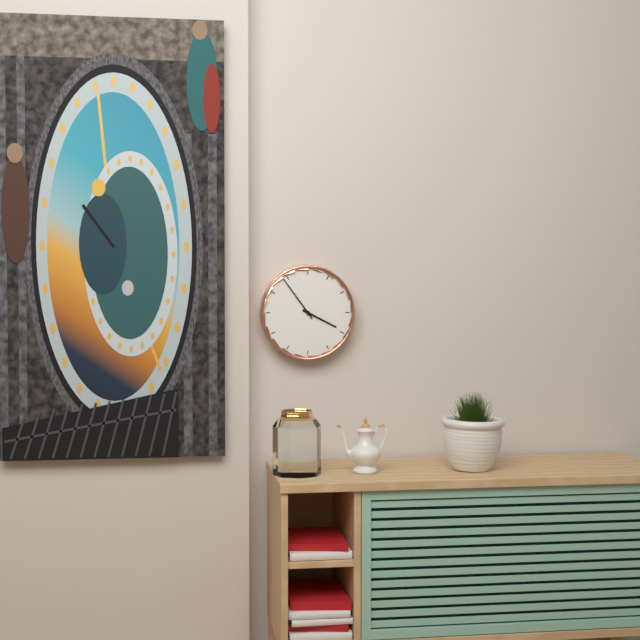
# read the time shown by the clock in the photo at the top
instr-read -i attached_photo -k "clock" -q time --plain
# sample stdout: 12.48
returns 3.54
